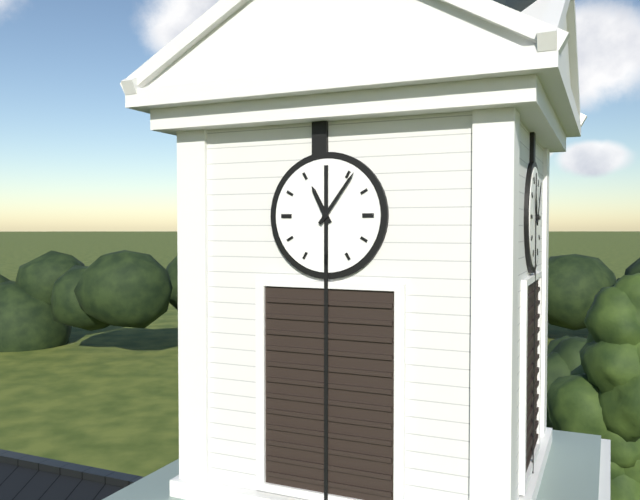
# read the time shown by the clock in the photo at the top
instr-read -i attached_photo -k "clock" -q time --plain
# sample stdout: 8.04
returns 11.06
